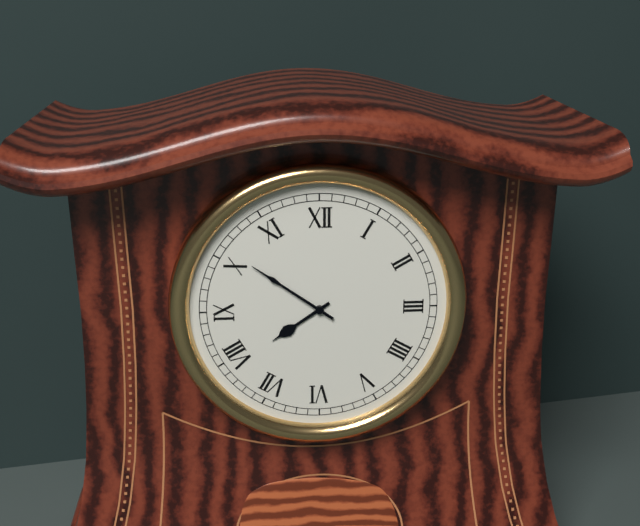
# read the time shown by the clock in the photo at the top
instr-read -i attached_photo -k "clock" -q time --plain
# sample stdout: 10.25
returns 7.51
